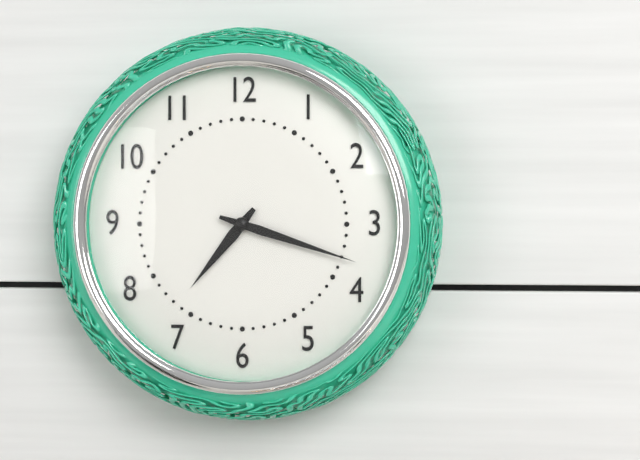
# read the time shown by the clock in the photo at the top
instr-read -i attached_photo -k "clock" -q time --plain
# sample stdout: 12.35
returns 7.18
